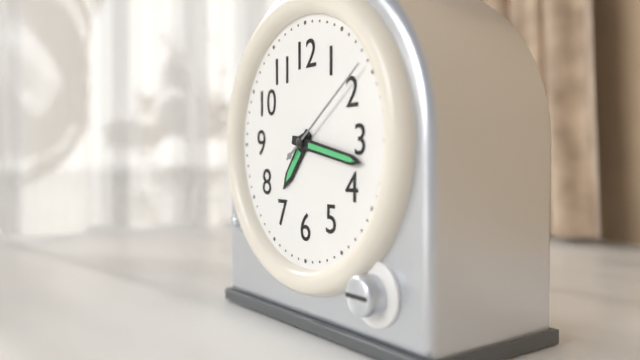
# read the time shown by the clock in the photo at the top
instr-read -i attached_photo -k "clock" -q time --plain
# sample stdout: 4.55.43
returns 7.17.09
